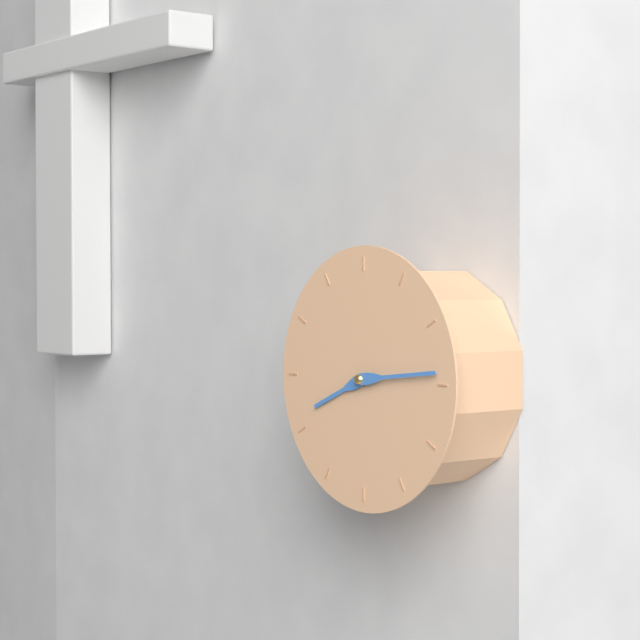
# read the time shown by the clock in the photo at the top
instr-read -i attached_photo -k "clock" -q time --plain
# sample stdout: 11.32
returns 8.14
